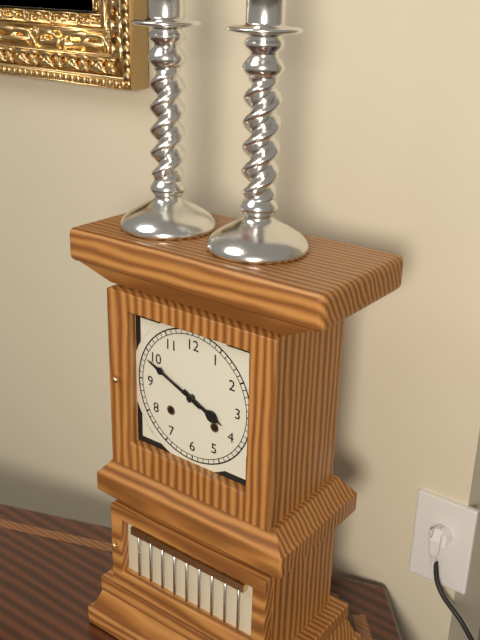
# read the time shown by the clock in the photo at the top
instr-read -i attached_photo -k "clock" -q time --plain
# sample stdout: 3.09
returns 3.49
